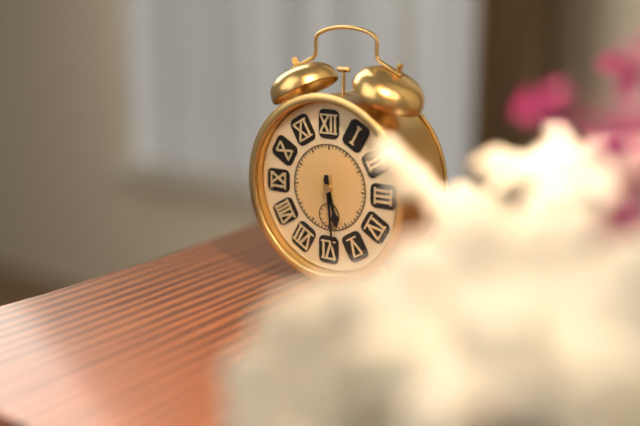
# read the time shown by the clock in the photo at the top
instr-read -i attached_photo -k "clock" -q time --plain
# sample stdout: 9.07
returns 5.29
